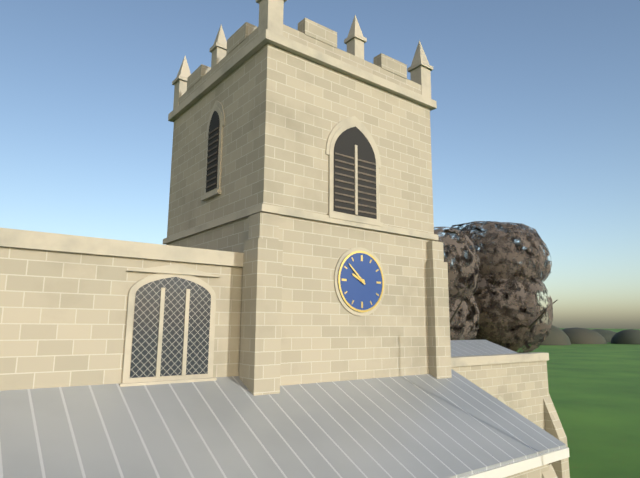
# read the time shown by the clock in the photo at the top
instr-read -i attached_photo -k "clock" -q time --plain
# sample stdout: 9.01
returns 9.52
